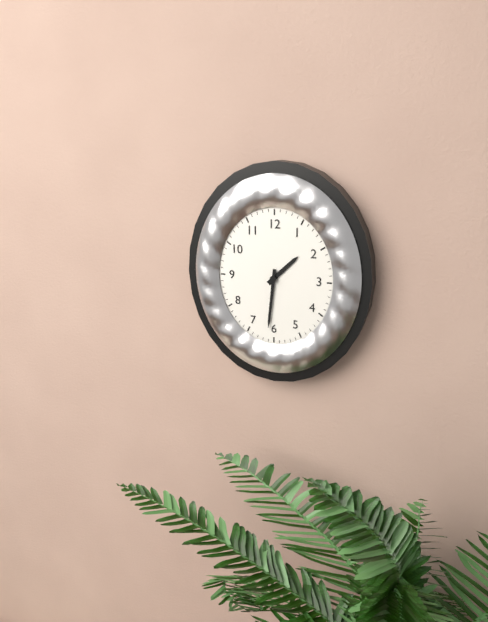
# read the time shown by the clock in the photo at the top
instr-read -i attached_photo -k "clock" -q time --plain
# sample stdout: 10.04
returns 1.31
